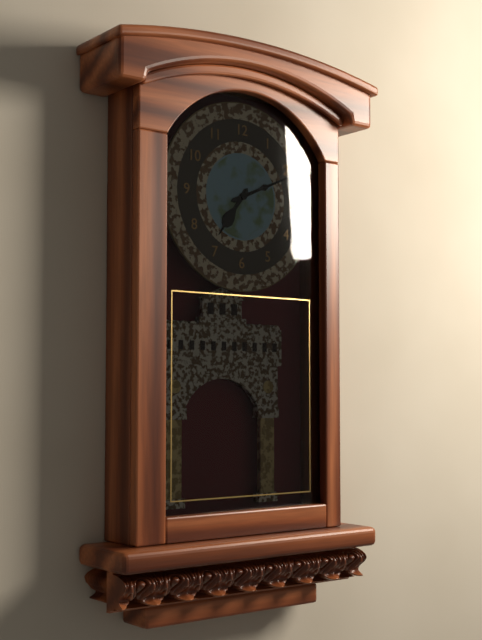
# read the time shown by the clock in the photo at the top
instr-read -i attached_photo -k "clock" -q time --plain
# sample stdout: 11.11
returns 7.11
